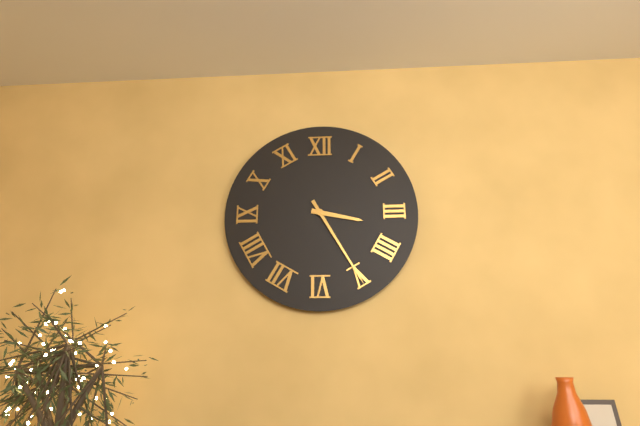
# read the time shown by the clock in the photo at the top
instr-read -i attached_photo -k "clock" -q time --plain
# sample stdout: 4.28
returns 3.25
